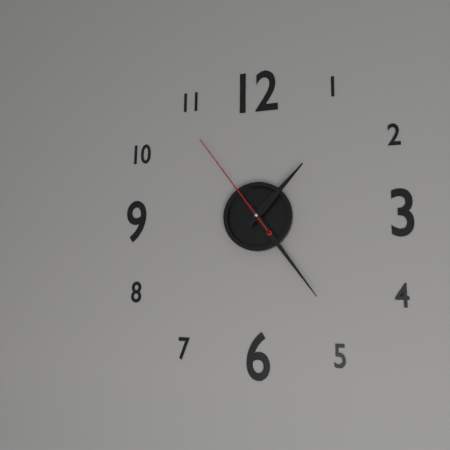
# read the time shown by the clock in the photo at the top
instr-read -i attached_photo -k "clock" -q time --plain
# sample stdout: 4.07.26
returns 1.24.54
